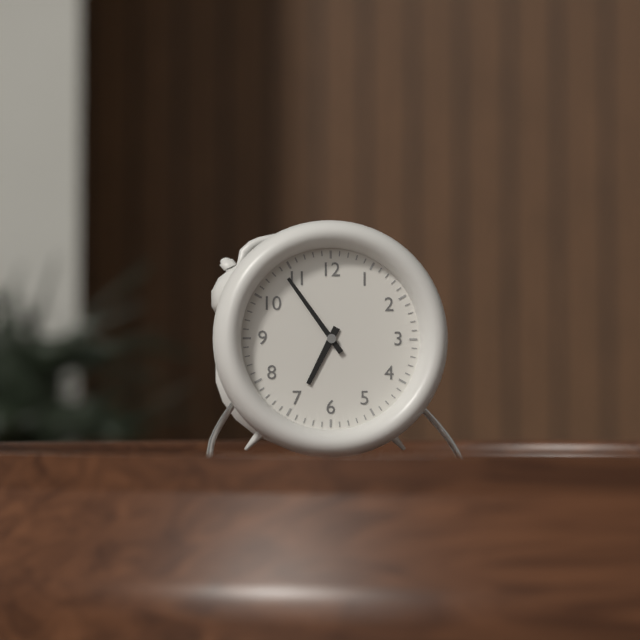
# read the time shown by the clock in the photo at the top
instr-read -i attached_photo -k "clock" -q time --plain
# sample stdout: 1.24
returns 6.54
